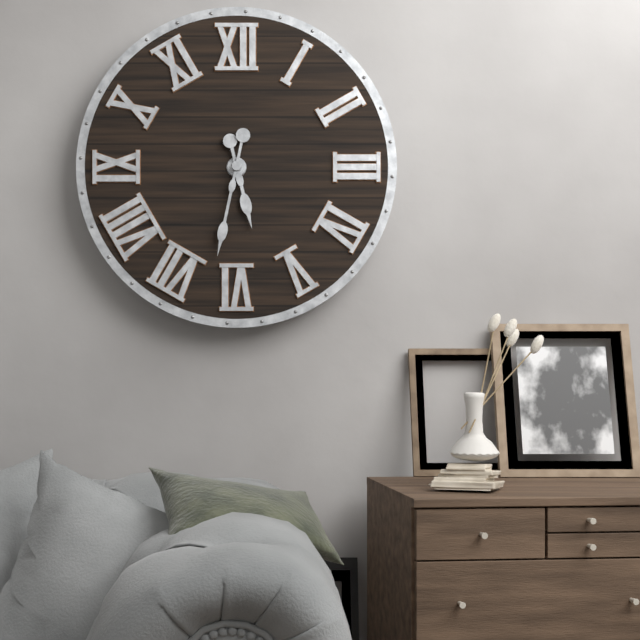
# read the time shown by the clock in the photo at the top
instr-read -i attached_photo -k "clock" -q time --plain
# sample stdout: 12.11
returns 5.32
